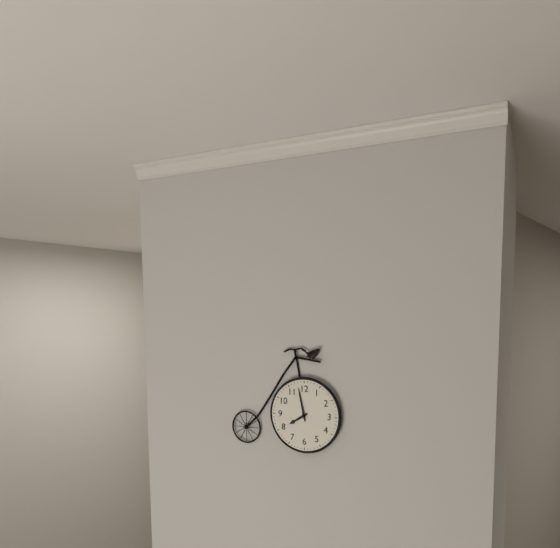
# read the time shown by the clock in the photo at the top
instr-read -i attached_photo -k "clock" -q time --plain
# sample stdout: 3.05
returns 7.58
